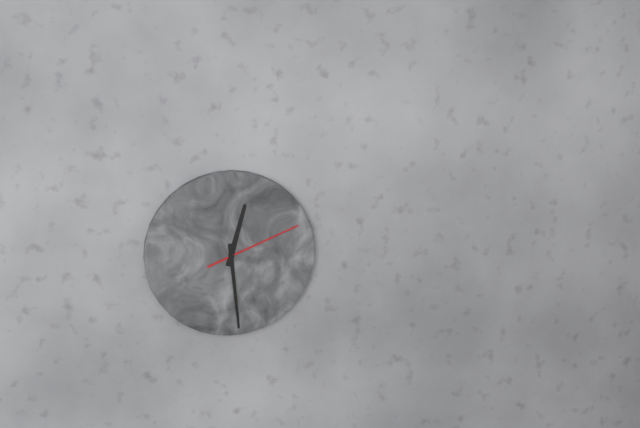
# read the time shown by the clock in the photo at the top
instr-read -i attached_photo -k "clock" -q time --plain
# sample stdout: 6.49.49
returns 12.29.11
